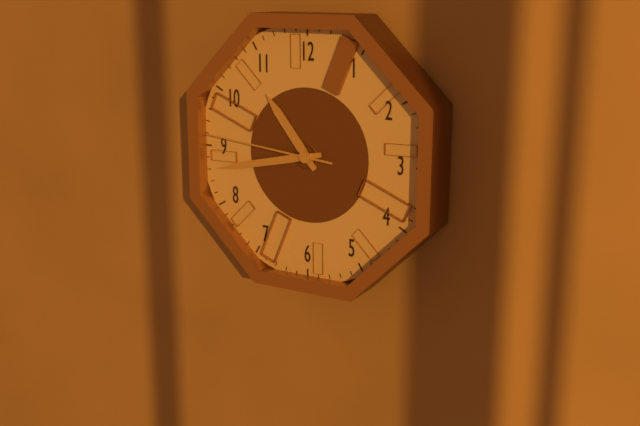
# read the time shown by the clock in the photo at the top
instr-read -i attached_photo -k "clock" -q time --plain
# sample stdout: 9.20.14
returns 10.43.46
